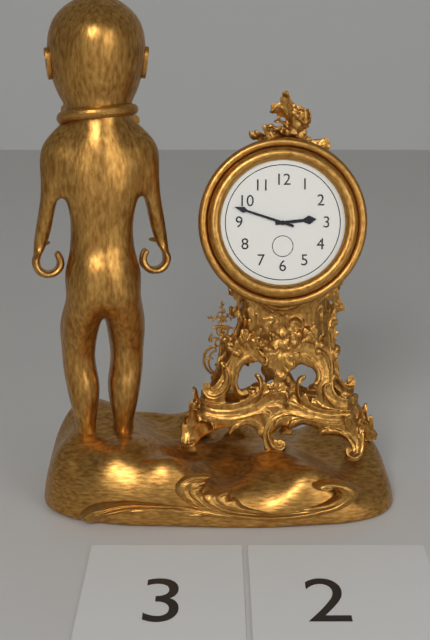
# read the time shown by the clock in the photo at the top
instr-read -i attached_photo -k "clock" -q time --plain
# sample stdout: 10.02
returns 2.48
